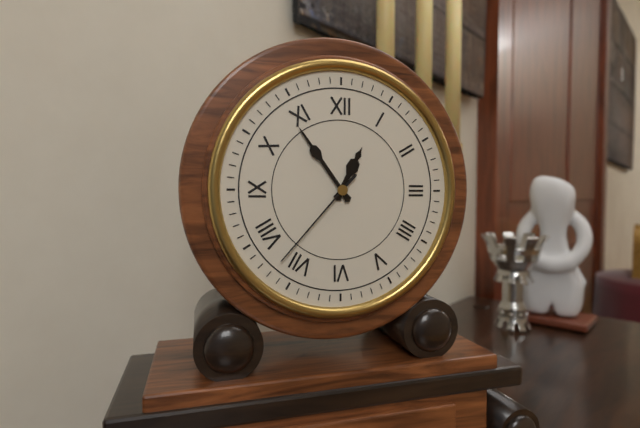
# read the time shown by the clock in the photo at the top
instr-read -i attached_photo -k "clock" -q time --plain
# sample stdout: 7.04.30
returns 12.54.37
